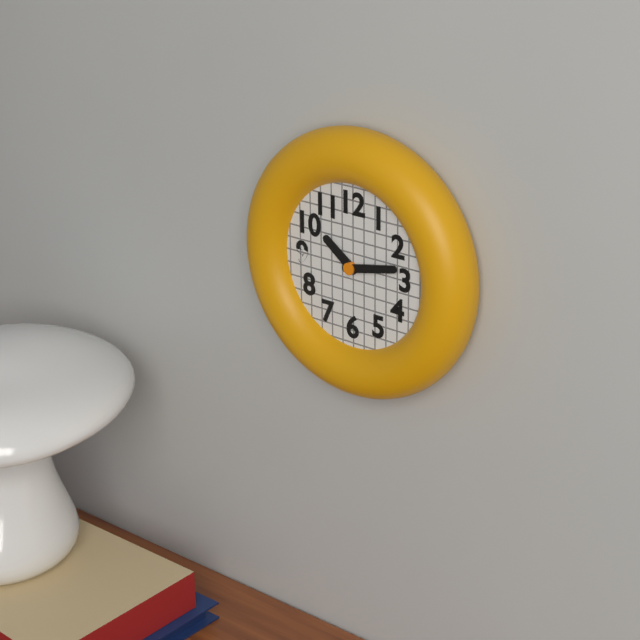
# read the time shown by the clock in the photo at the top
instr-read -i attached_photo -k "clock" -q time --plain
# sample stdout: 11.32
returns 10.13
